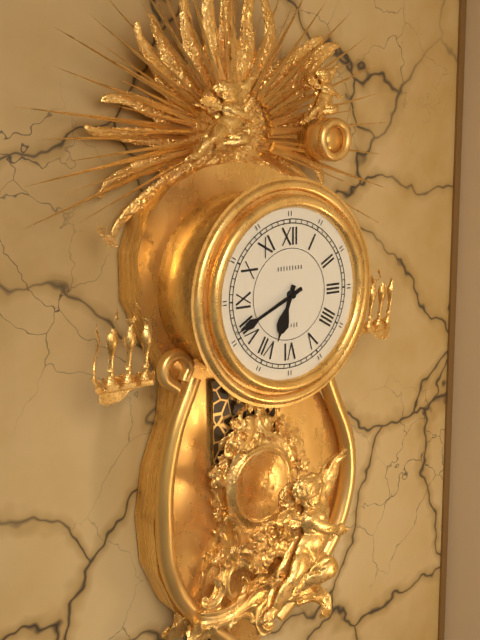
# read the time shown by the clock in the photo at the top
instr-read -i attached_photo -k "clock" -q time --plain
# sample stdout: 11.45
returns 6.41
